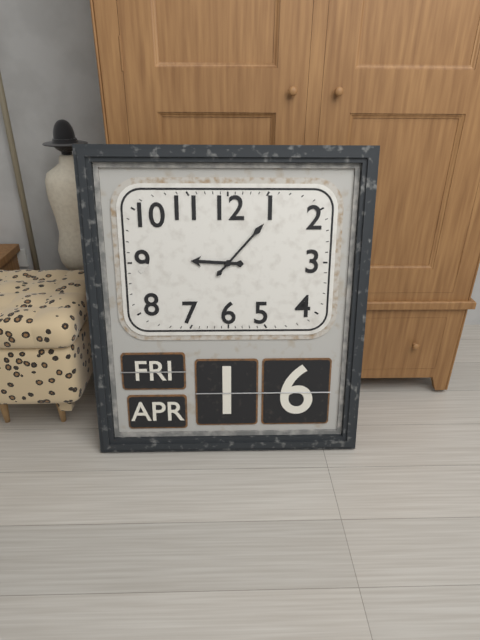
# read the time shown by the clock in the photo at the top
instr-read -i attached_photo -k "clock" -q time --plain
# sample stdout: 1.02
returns 9.07
